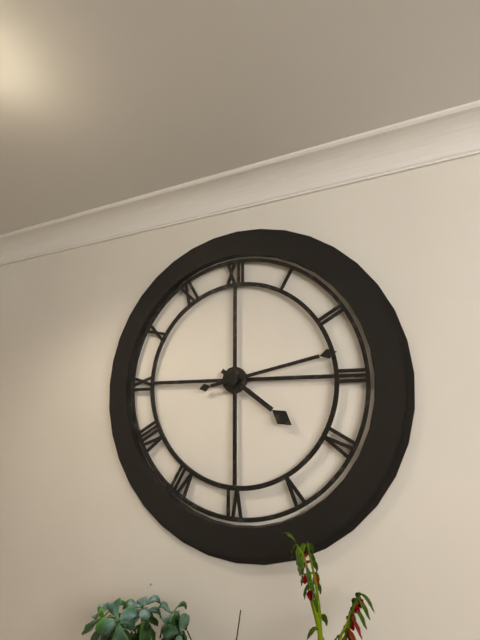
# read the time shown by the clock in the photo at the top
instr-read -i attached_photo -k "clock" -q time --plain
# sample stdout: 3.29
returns 4.13
